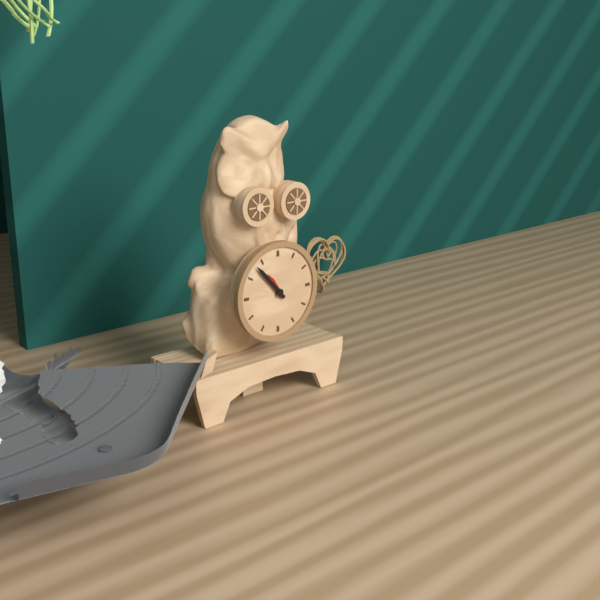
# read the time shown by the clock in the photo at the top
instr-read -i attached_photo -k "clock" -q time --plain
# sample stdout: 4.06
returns 10.53
